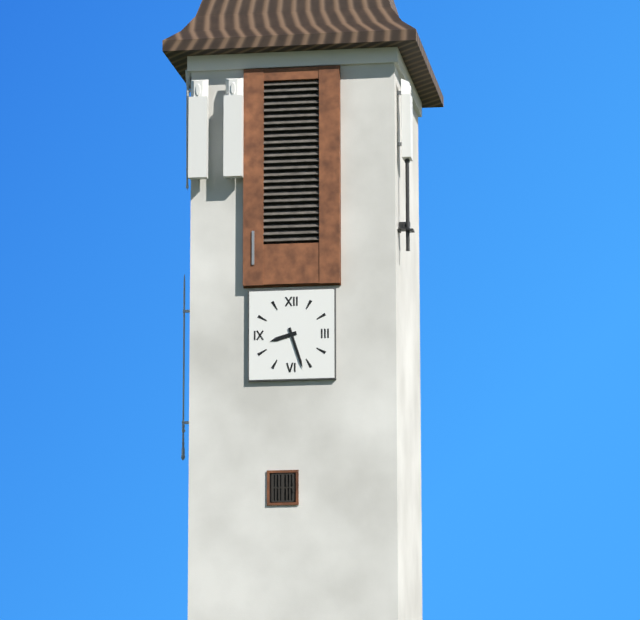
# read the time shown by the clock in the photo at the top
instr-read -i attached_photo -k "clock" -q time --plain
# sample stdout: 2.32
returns 8.27
